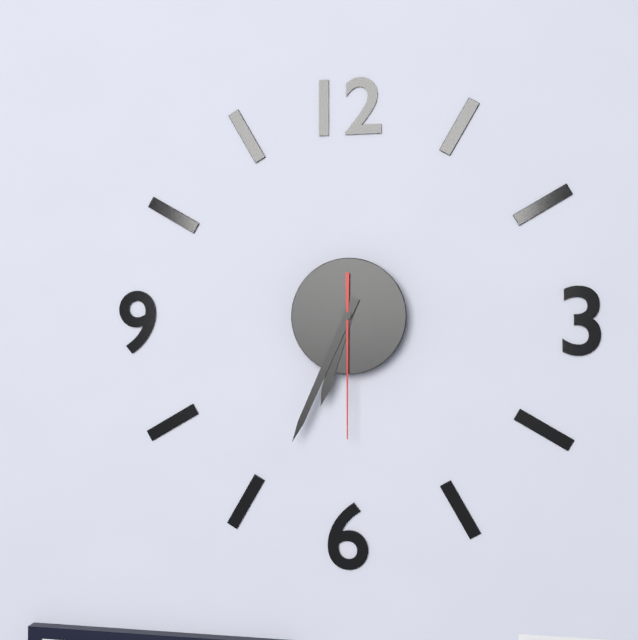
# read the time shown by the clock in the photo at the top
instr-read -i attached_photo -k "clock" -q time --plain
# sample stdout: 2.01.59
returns 6.34.30
